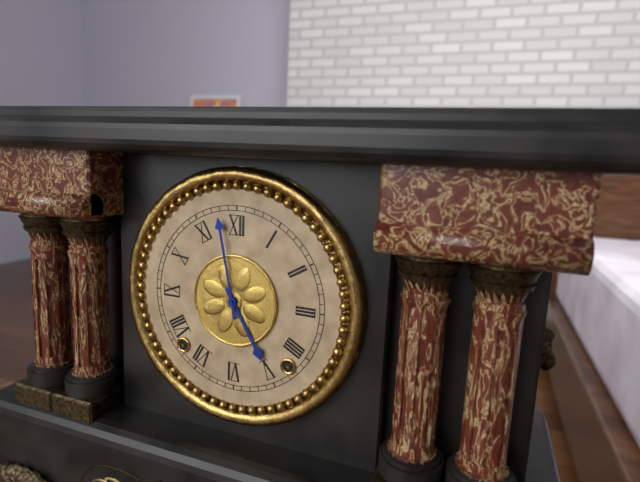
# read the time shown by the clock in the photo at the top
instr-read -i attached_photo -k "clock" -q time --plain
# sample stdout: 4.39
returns 4.58
